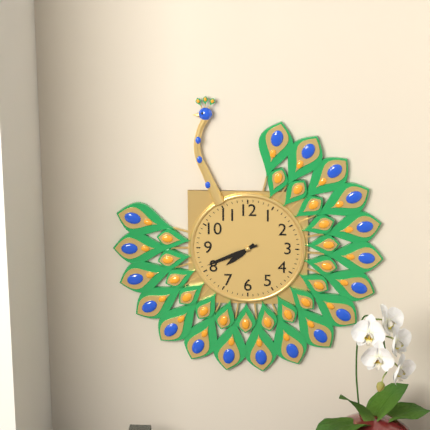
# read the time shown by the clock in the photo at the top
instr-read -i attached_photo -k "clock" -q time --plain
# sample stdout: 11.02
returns 7.41
